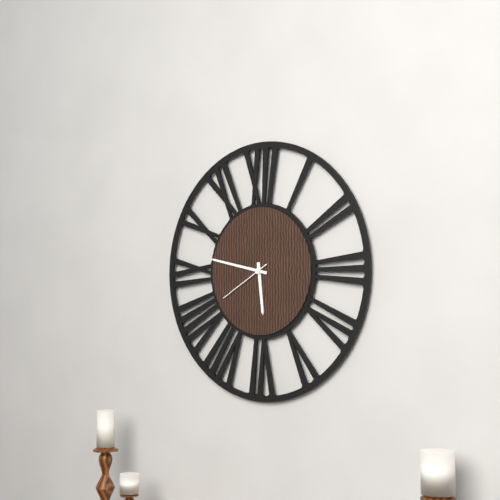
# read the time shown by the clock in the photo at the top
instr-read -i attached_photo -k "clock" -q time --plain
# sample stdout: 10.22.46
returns 5.47.40
